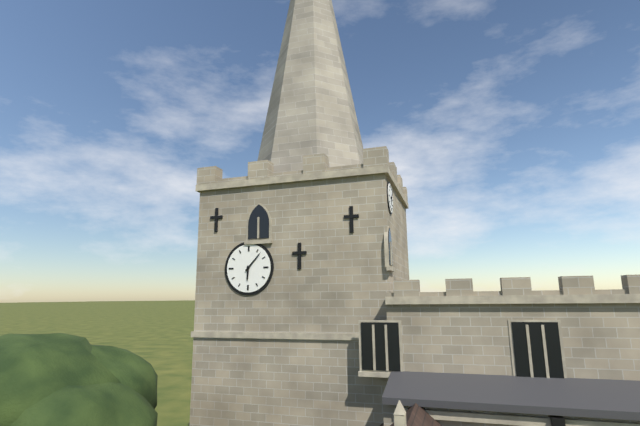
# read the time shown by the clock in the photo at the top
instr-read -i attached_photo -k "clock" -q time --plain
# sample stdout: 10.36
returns 6.07
